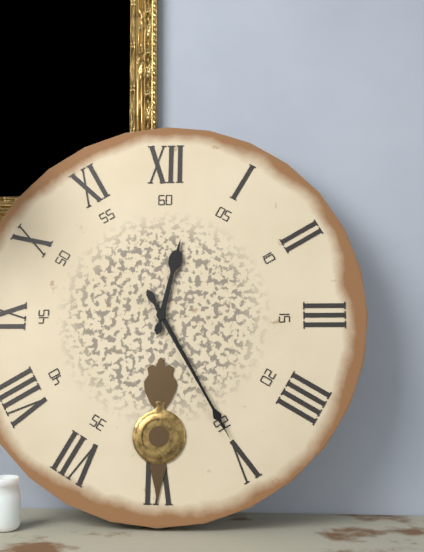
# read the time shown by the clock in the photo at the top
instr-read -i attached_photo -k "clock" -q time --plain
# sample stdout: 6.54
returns 12.25
